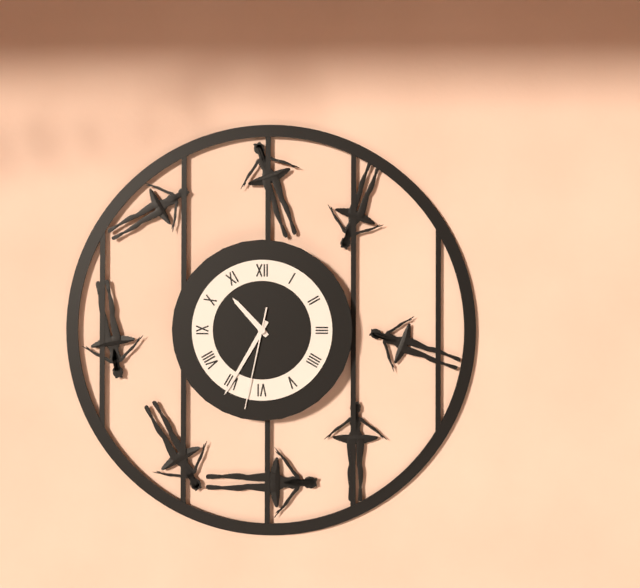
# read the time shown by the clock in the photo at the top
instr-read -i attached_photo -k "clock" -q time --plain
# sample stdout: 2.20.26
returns 10.35.32
